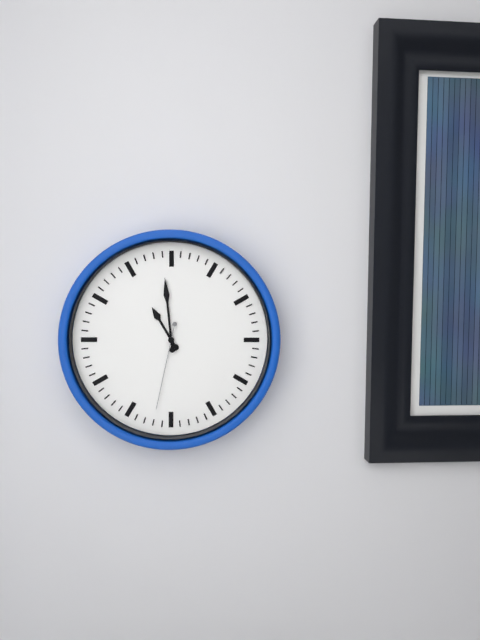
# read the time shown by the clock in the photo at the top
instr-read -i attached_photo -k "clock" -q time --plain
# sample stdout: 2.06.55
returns 10.59.32
